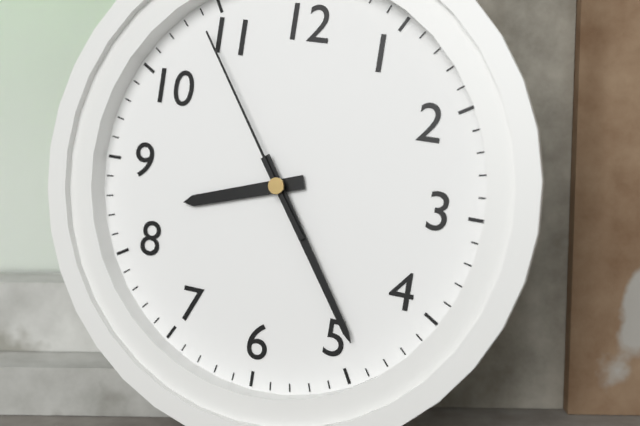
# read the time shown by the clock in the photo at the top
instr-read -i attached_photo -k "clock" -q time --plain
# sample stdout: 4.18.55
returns 8.24.54
